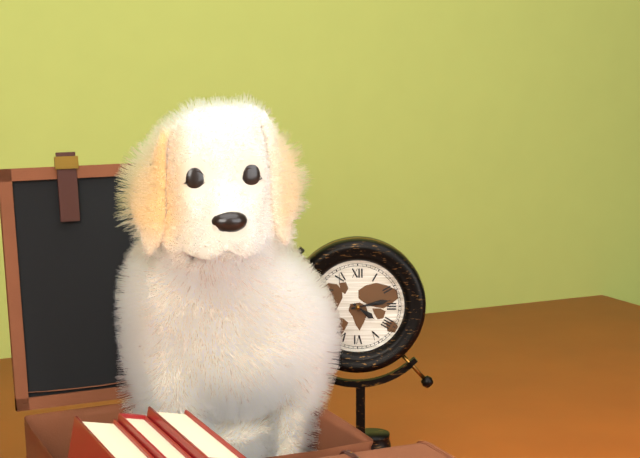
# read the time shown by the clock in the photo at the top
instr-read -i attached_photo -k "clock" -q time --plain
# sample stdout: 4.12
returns 4.13
